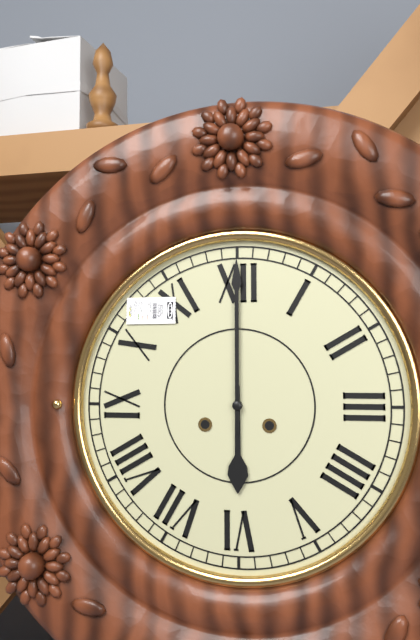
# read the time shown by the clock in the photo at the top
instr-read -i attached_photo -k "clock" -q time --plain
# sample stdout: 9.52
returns 6.00
